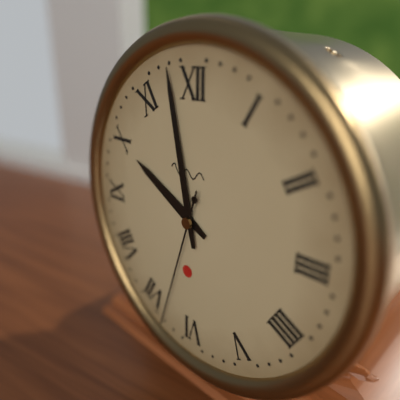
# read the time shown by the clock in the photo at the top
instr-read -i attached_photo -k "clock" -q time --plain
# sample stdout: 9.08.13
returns 9.58.33
